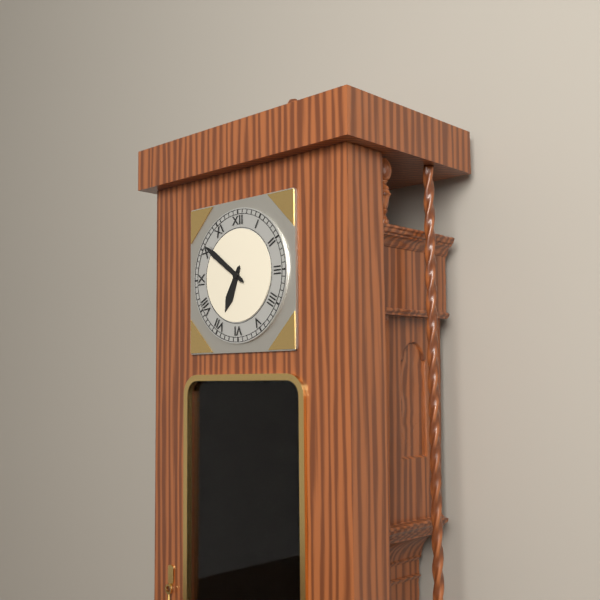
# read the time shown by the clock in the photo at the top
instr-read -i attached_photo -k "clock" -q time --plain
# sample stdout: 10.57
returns 6.51
